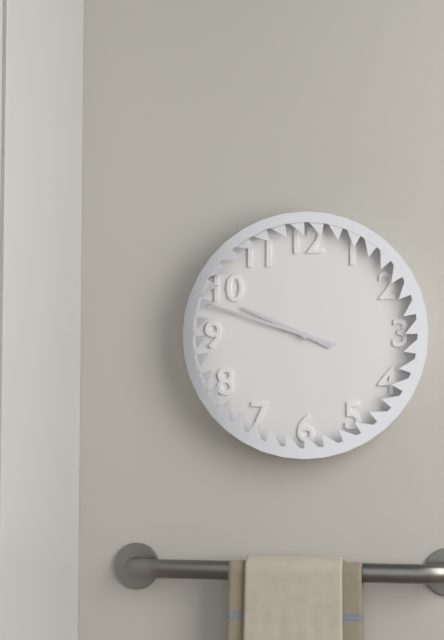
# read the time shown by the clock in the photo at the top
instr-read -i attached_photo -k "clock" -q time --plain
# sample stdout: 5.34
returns 9.48
